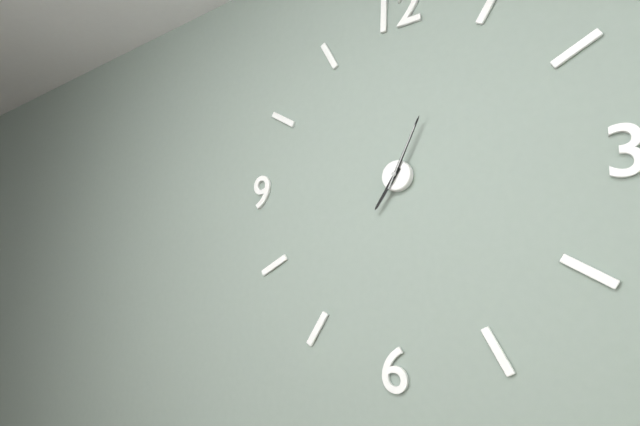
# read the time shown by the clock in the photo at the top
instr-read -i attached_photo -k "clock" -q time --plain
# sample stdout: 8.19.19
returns 7.04.04
